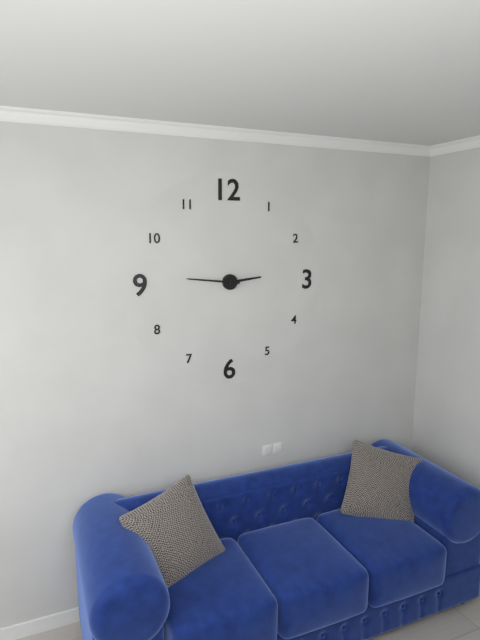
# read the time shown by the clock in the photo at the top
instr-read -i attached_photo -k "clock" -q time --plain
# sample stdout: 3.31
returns 2.46
